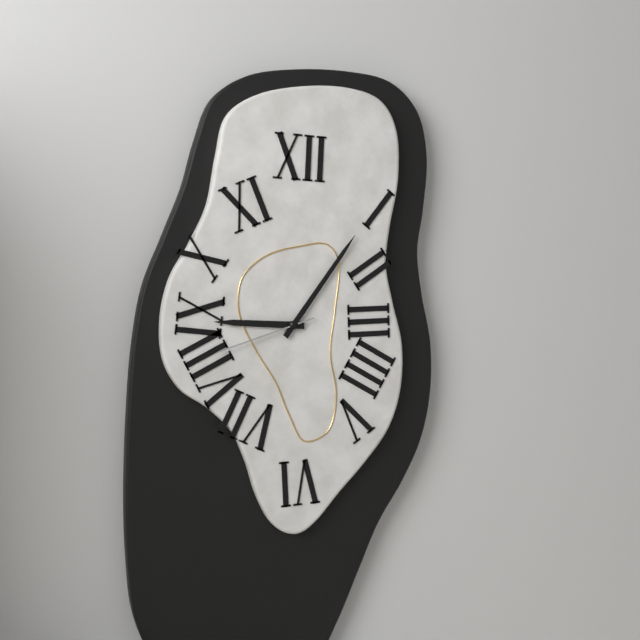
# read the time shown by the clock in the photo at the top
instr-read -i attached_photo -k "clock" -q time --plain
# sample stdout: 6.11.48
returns 9.06.42
